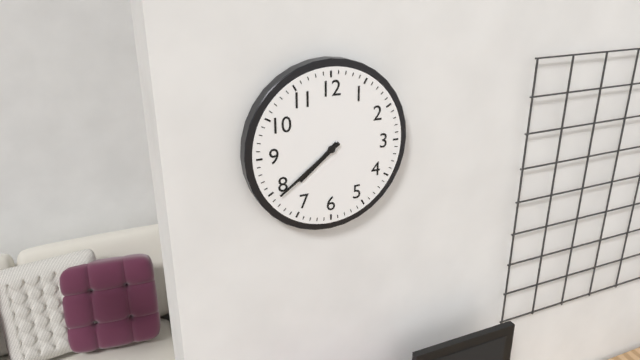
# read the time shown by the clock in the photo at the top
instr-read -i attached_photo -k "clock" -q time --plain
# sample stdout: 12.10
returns 7.39
